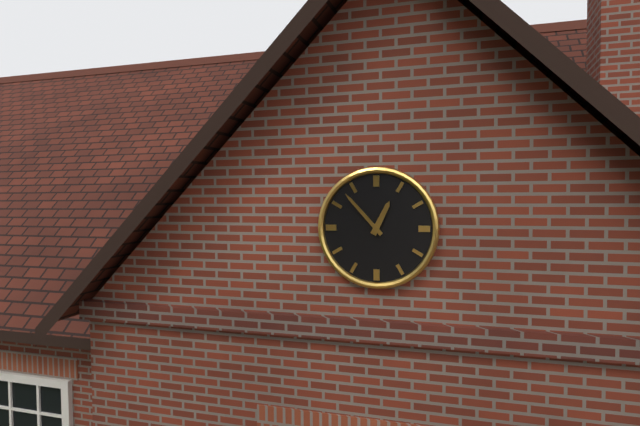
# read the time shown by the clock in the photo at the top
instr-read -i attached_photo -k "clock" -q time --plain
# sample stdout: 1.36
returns 12.53
